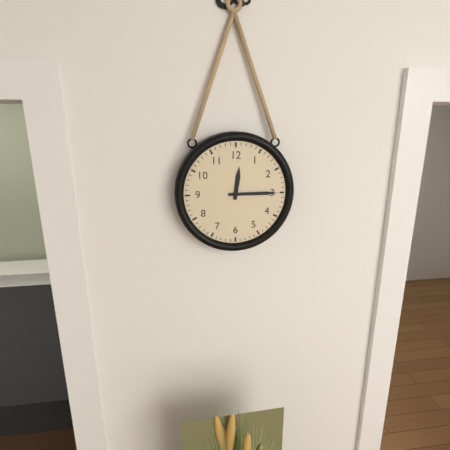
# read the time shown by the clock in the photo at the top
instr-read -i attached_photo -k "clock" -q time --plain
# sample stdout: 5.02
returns 12.15
